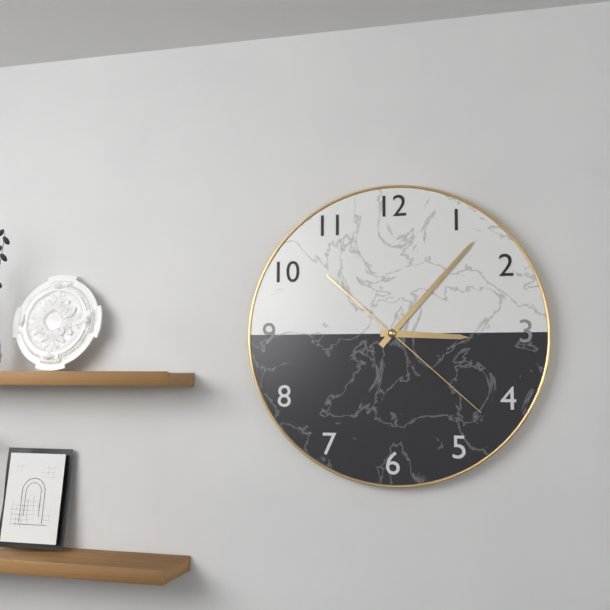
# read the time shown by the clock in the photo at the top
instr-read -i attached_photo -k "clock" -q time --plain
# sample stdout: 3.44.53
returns 3.07.22
